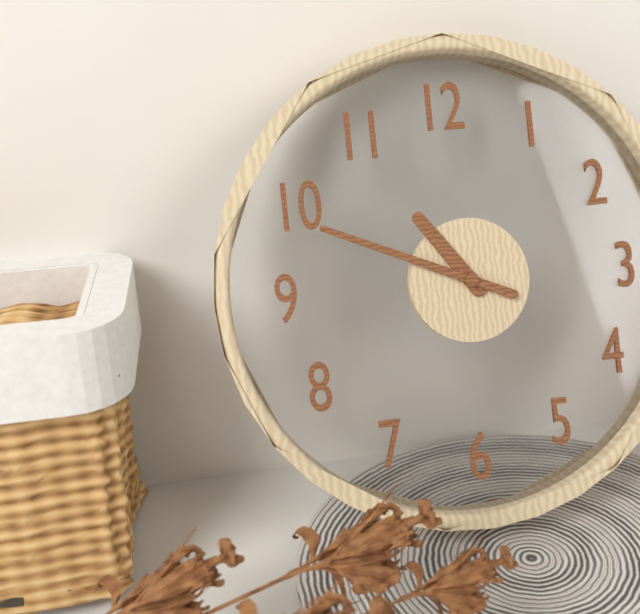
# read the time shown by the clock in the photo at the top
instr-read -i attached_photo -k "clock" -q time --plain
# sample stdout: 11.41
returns 10.49
